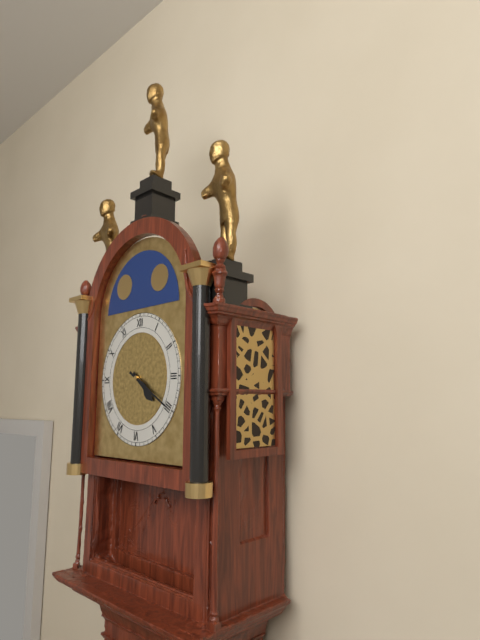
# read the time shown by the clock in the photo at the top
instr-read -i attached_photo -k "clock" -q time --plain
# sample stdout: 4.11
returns 4.20
